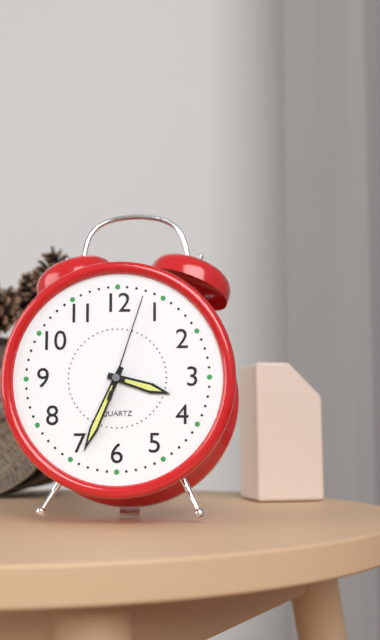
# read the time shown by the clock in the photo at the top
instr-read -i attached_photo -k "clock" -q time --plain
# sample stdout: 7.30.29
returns 3.34.03
